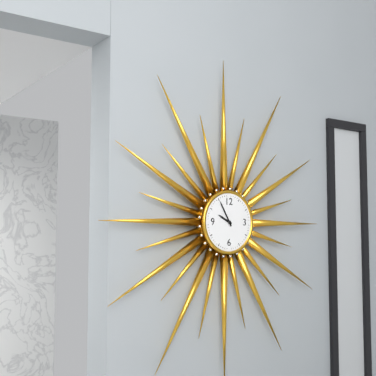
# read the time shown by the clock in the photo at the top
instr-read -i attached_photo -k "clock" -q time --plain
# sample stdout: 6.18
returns 9.55
